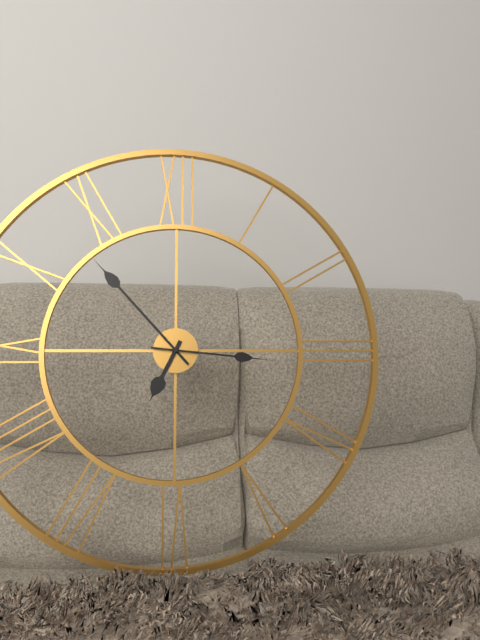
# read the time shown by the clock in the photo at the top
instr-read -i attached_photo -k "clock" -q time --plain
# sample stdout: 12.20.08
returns 6.53.16
